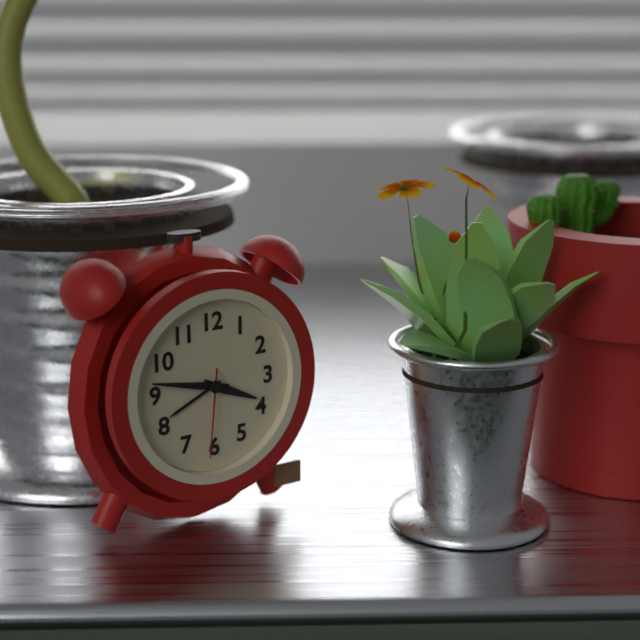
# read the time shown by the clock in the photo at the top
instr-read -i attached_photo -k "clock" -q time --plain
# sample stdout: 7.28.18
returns 3.47.31
